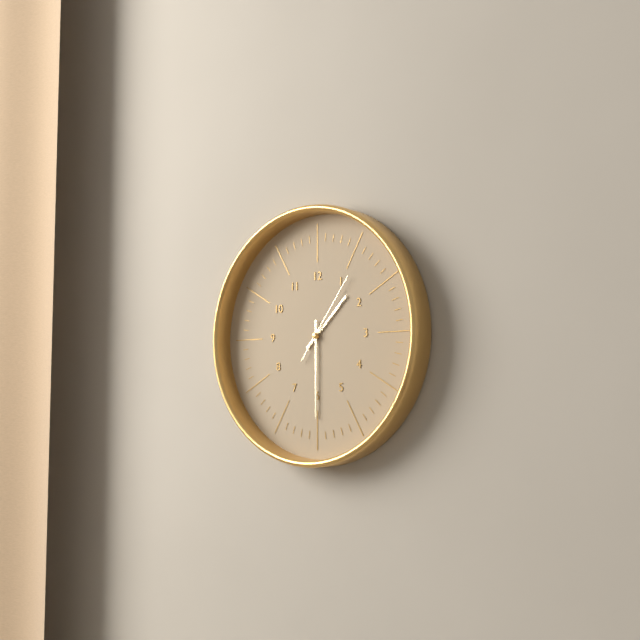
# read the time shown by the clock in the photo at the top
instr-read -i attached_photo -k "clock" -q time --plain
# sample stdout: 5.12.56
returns 1.30.06
